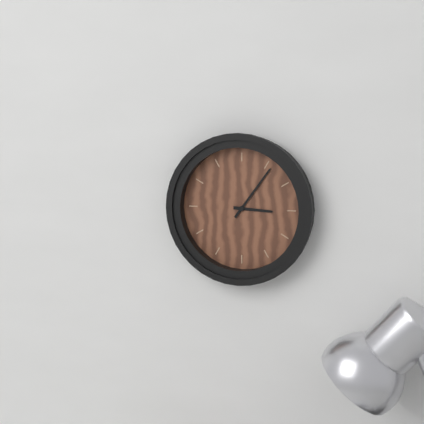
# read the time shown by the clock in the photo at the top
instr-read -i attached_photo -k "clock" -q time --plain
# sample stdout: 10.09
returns 3.06
